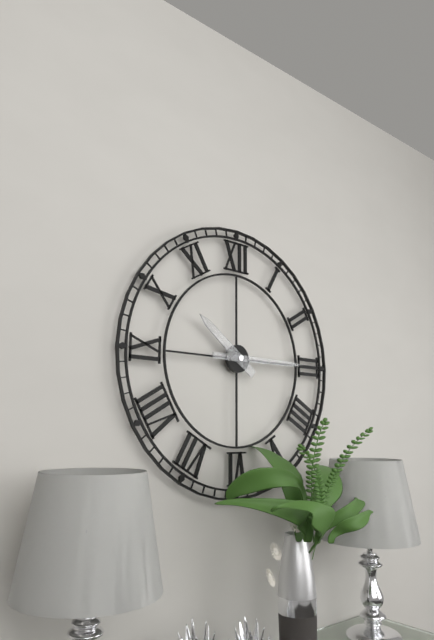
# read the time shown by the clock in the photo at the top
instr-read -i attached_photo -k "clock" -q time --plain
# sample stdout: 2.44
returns 10.15
